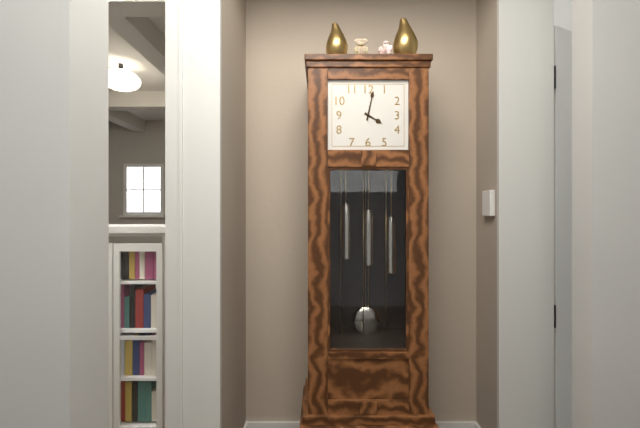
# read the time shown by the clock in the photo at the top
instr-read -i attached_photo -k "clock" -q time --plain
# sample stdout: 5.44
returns 4.02
